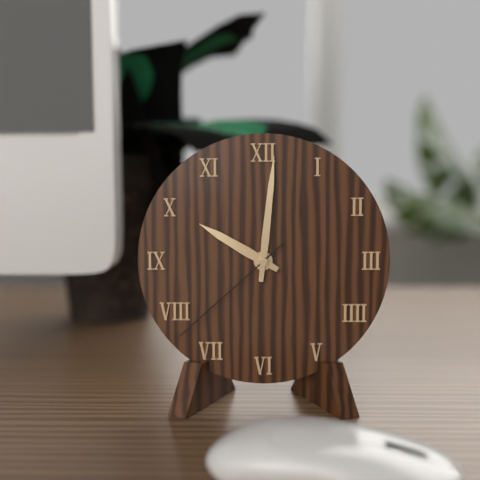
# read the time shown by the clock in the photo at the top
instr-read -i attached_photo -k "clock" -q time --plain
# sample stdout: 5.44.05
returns 10.01.38
